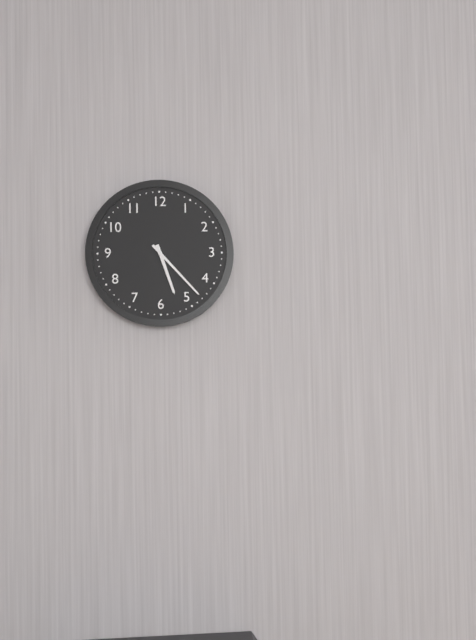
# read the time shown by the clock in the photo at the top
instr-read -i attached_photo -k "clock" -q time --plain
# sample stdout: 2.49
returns 5.23
